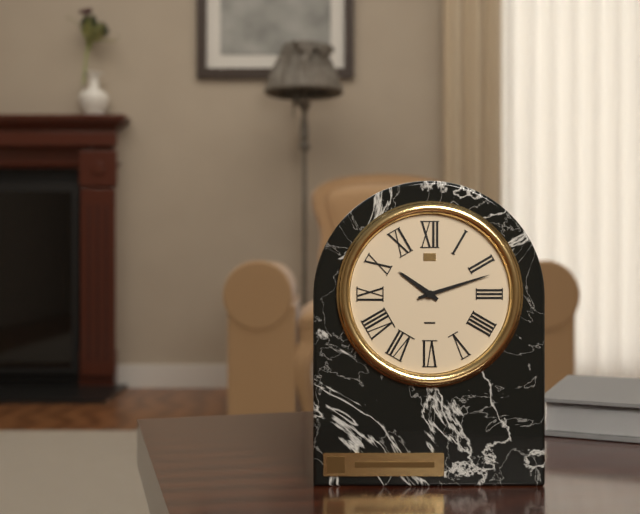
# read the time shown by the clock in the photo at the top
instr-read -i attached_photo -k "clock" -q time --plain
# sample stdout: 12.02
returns 10.12
